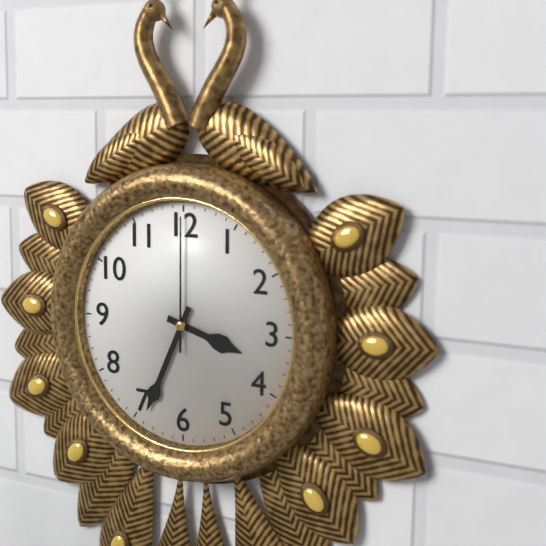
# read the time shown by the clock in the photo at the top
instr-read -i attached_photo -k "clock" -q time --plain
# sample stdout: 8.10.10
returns 3.34.00
